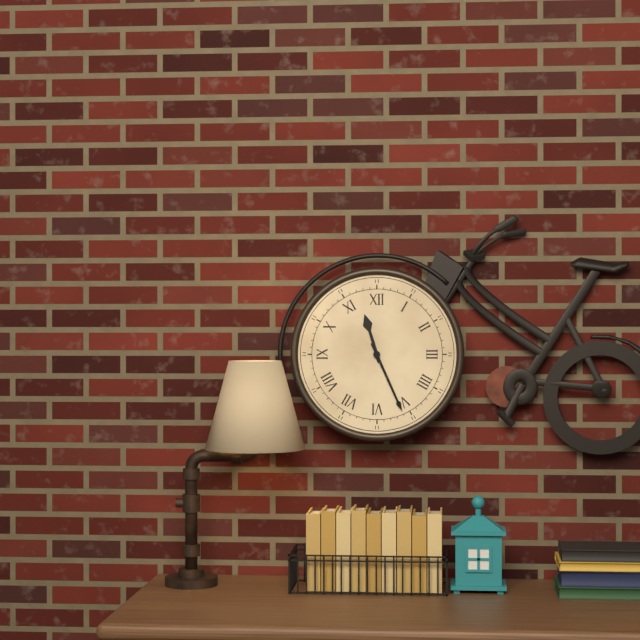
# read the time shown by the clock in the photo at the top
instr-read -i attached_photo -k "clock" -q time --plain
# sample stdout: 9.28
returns 11.26
